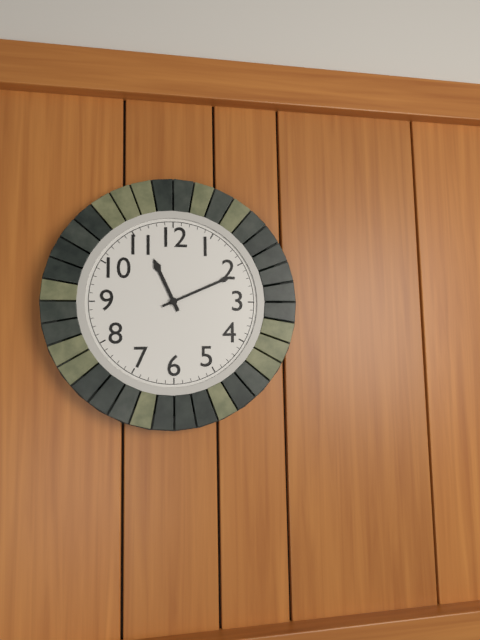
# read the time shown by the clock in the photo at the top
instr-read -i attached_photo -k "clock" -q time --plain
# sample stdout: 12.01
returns 11.11
